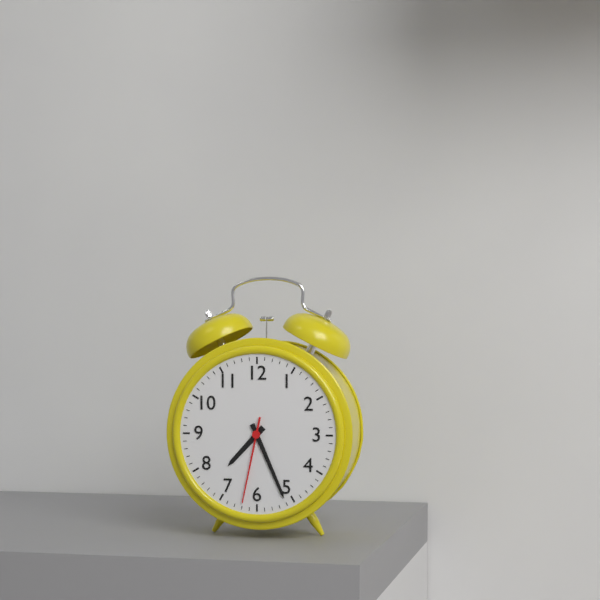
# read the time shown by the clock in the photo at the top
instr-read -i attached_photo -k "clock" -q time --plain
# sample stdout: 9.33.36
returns 7.26.32
